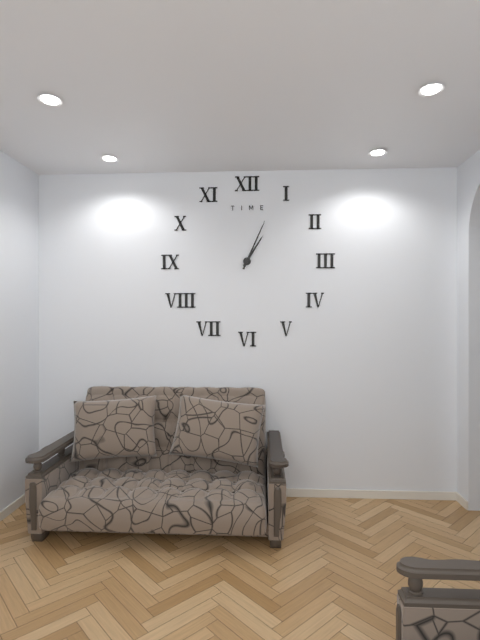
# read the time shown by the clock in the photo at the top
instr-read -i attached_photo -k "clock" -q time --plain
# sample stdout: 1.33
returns 1.04
